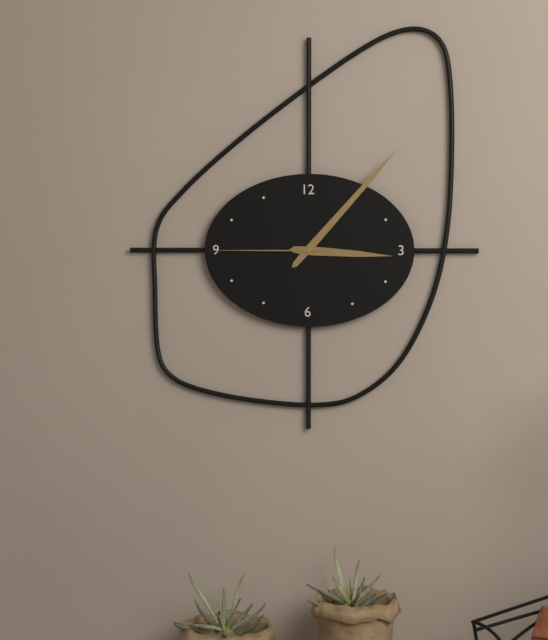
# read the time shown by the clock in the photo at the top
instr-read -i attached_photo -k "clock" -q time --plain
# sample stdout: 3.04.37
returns 3.07.45
